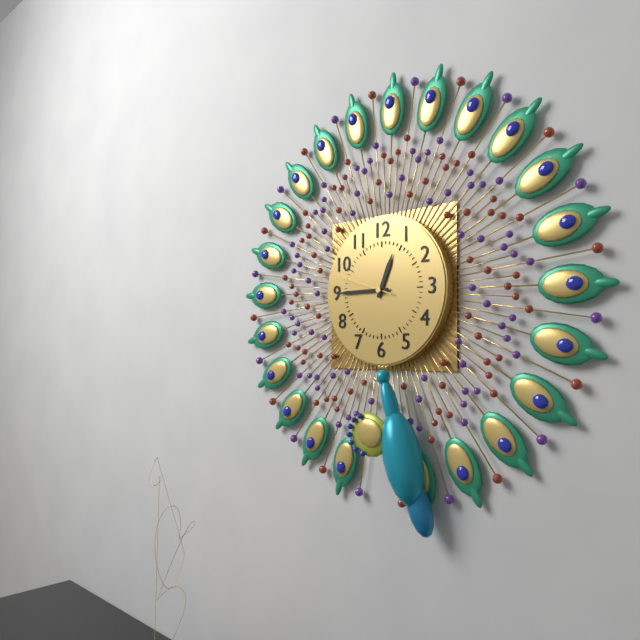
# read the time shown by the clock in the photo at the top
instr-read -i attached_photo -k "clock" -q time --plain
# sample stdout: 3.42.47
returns 12.45.48
